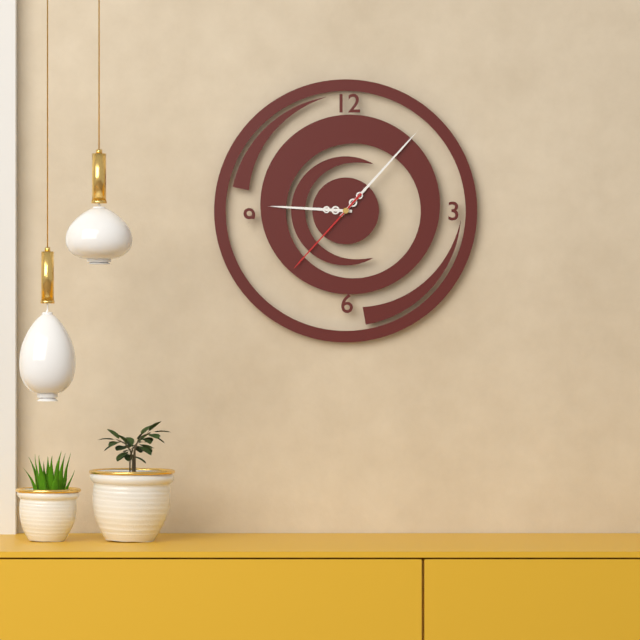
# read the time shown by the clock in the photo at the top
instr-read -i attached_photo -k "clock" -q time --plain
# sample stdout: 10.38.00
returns 9.07.37
